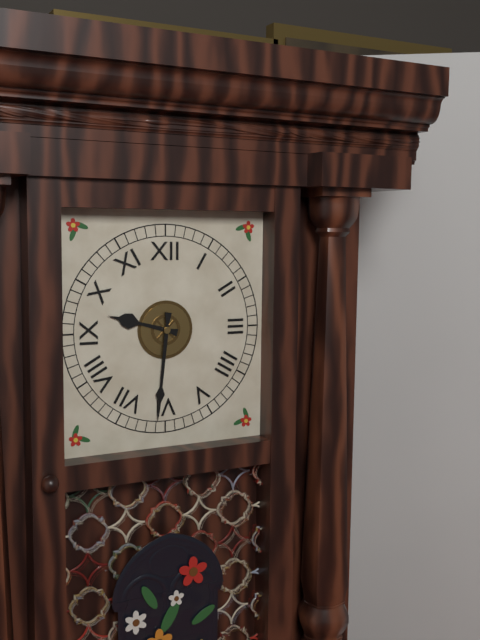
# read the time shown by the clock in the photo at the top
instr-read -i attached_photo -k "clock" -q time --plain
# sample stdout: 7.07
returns 9.31
